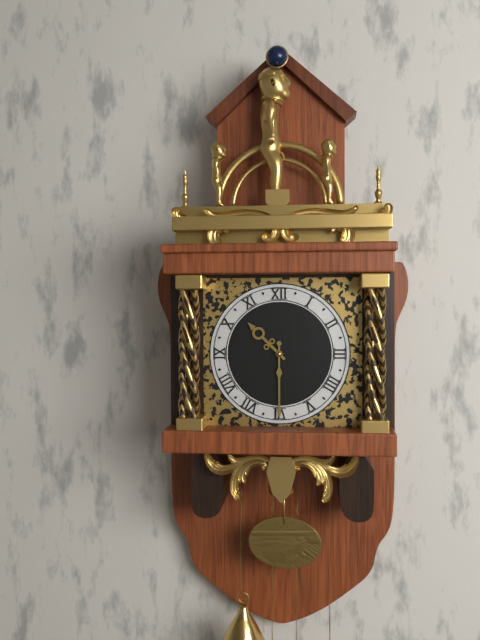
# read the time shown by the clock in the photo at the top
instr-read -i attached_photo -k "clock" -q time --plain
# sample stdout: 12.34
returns 10.30
